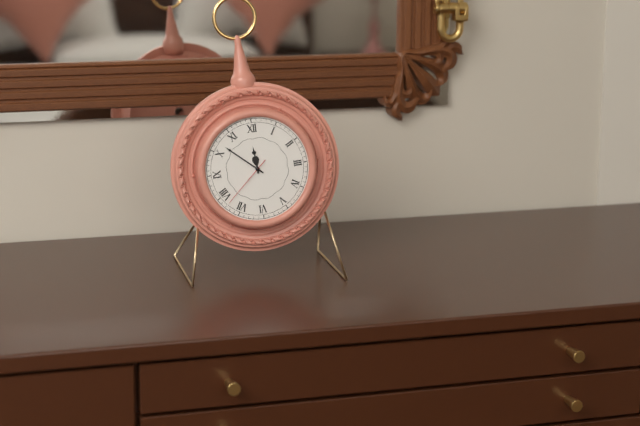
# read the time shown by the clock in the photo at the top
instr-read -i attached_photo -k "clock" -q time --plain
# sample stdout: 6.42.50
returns 11.52.38
